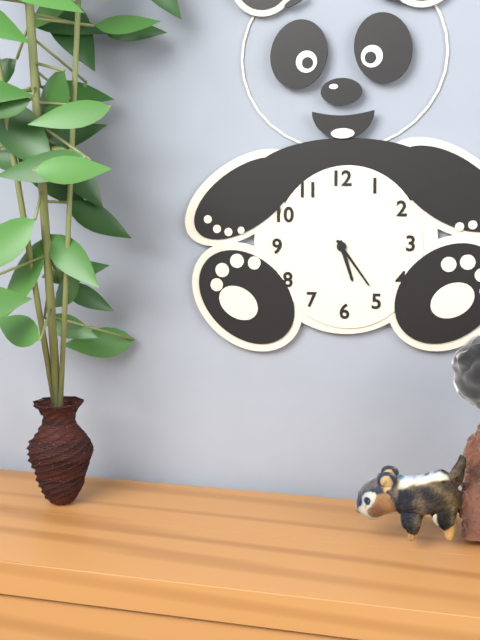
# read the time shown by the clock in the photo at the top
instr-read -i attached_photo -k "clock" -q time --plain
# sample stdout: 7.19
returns 5.24
